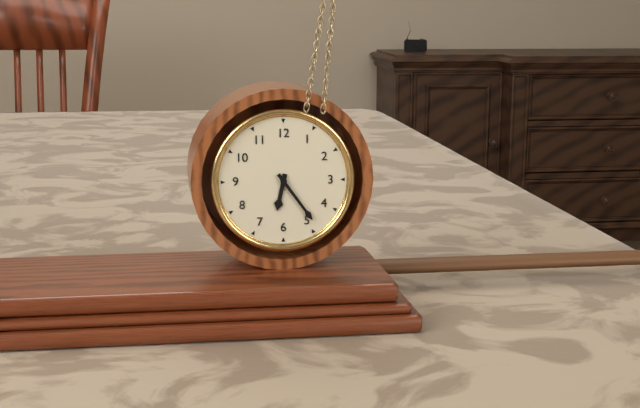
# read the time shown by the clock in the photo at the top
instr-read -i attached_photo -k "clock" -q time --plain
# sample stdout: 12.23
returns 6.24
